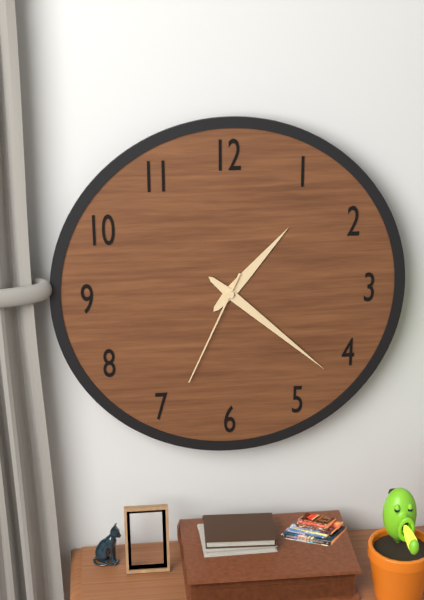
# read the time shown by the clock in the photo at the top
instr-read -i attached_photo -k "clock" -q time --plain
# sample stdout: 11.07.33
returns 1.22.34
